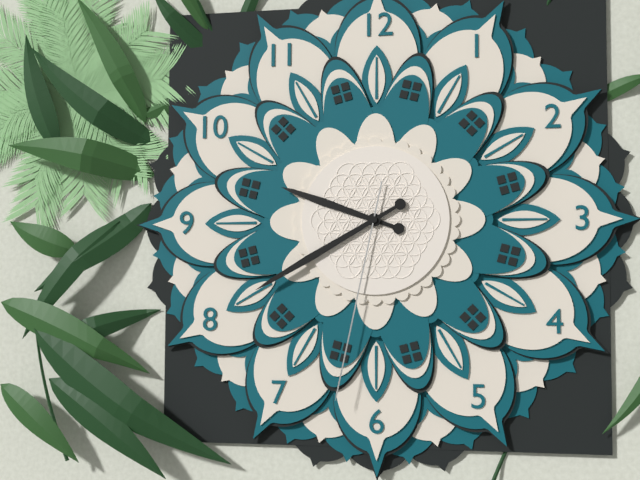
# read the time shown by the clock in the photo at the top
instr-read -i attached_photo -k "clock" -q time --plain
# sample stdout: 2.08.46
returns 9.40.32
